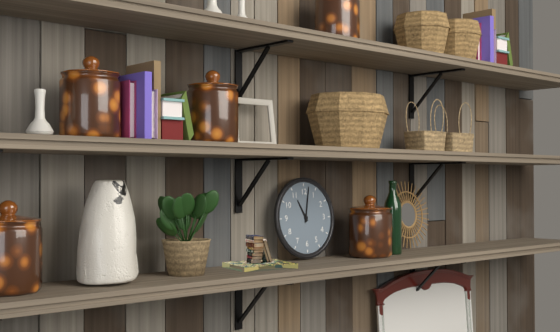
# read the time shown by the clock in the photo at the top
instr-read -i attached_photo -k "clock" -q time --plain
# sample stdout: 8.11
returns 11.02
